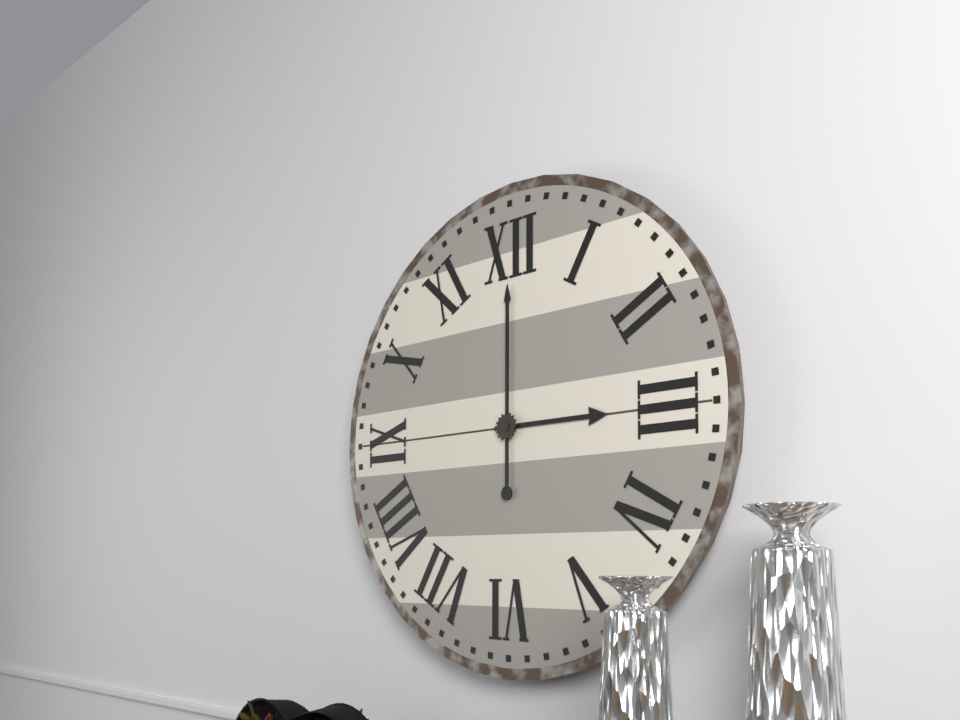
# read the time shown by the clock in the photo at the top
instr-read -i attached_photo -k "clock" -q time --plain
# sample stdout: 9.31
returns 3.00
